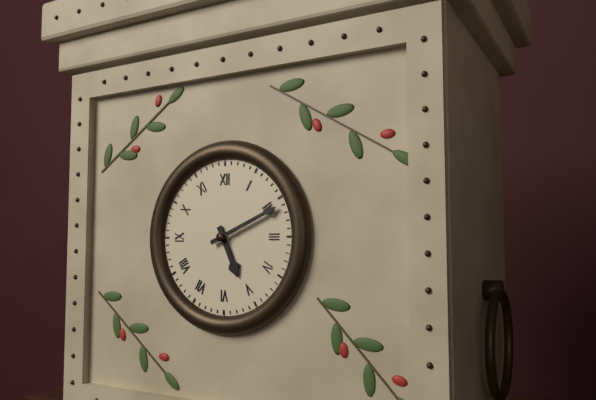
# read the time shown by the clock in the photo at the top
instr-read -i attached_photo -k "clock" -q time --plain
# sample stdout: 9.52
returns 5.11
